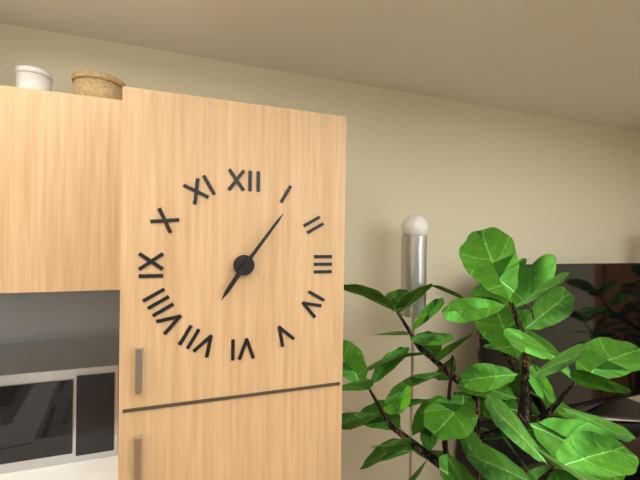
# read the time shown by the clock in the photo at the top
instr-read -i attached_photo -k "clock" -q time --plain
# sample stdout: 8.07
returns 7.06
